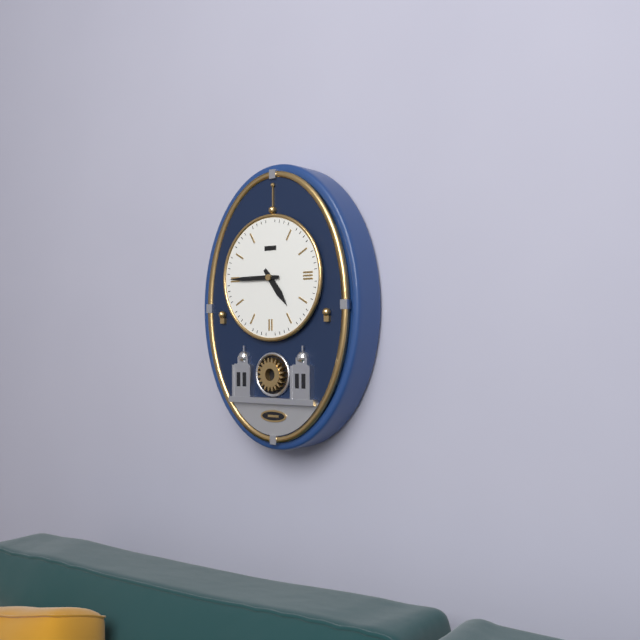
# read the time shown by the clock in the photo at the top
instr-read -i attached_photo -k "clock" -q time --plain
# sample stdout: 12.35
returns 4.45
